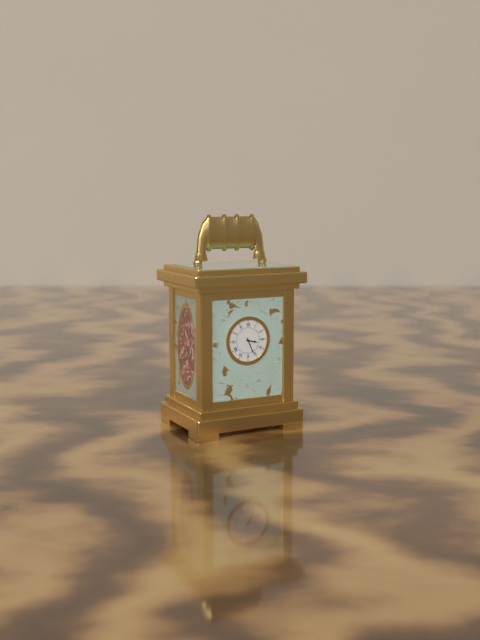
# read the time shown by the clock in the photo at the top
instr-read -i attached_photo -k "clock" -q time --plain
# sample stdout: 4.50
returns 3.26
